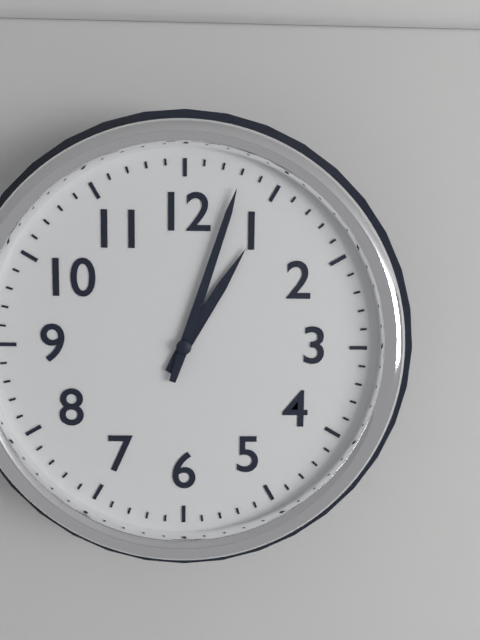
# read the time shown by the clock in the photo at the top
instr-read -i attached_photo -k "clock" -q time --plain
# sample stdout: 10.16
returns 1.03
